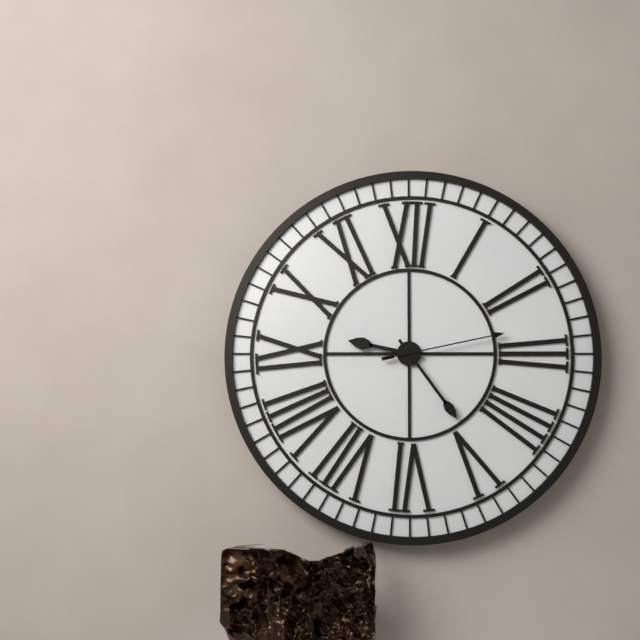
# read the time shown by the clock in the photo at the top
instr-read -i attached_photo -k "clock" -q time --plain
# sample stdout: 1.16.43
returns 9.24.13
